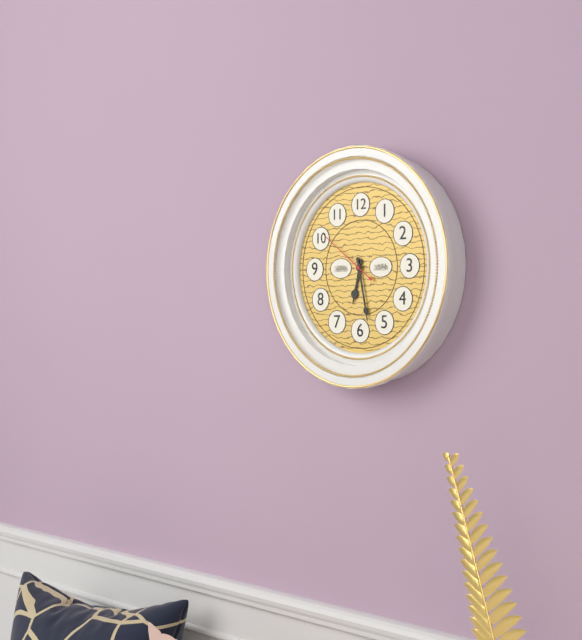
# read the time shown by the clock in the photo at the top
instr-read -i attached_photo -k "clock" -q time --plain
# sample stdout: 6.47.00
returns 6.28.51
